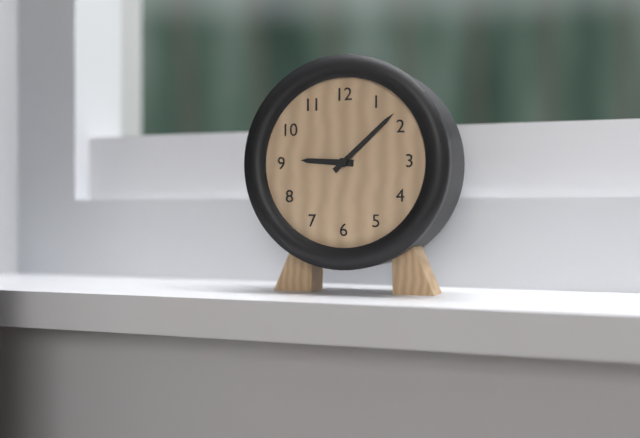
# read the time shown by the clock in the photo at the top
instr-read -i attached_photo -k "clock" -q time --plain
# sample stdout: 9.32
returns 9.08
